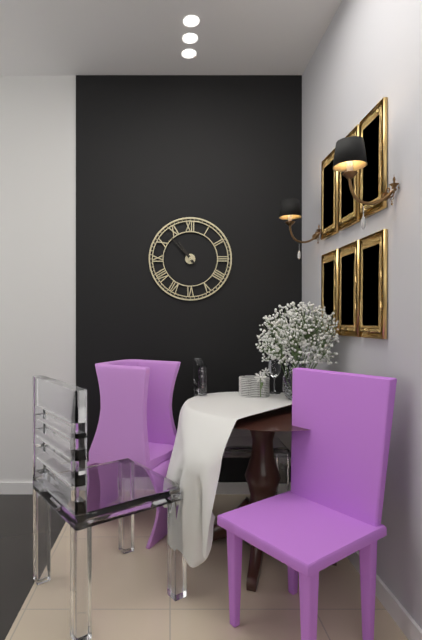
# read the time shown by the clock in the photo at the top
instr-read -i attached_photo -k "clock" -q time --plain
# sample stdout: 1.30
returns 10.53
